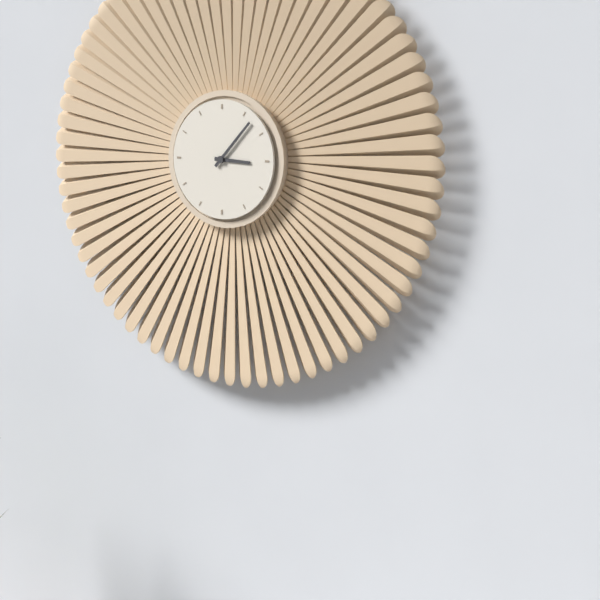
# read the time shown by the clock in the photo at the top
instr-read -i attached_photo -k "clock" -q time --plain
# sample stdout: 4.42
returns 3.07
